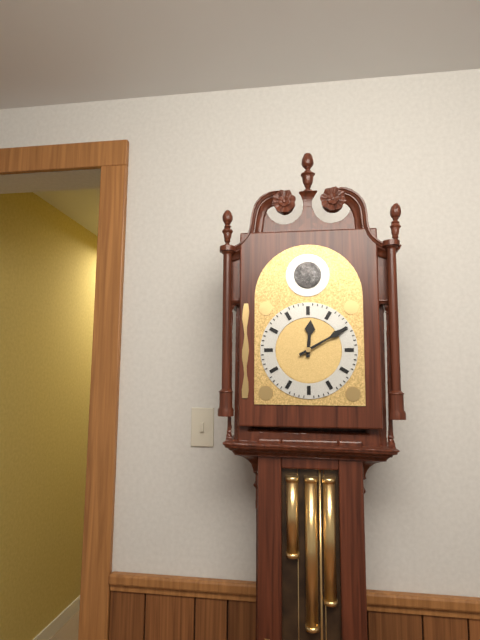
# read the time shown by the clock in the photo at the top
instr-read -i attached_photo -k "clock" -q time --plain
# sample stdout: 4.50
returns 12.10
